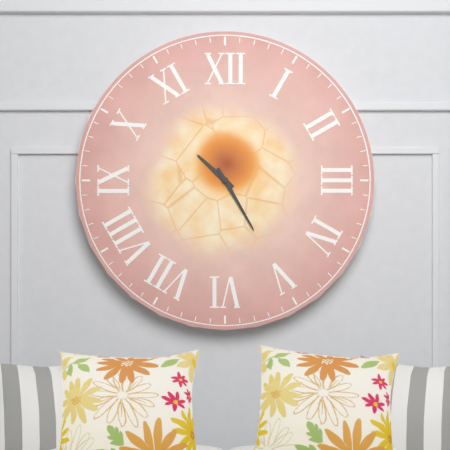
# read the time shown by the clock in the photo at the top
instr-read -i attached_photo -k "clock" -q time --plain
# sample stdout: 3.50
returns 10.25
